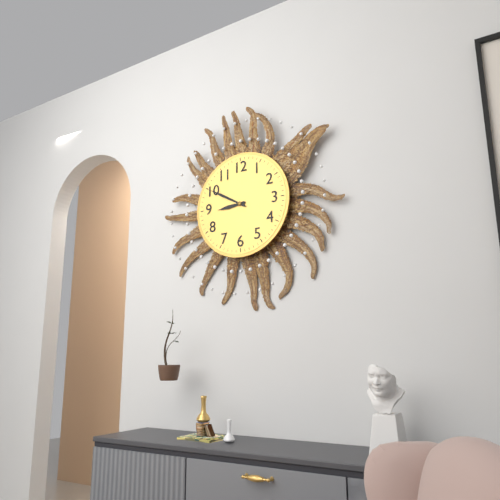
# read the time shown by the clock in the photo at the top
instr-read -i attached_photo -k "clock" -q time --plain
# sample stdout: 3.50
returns 8.50
